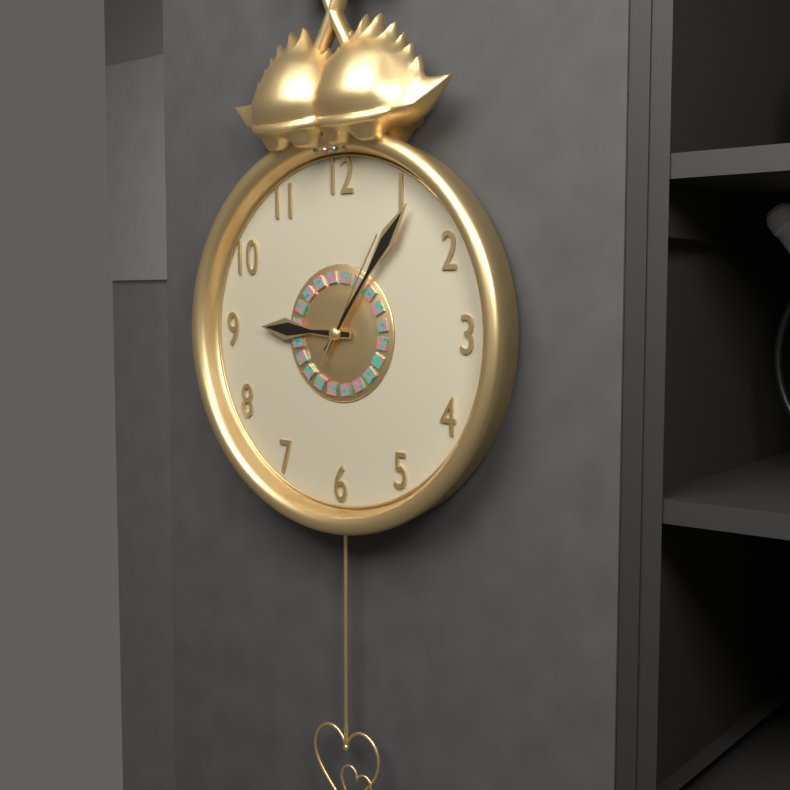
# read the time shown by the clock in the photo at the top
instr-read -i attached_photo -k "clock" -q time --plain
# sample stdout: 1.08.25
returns 9.06.05
